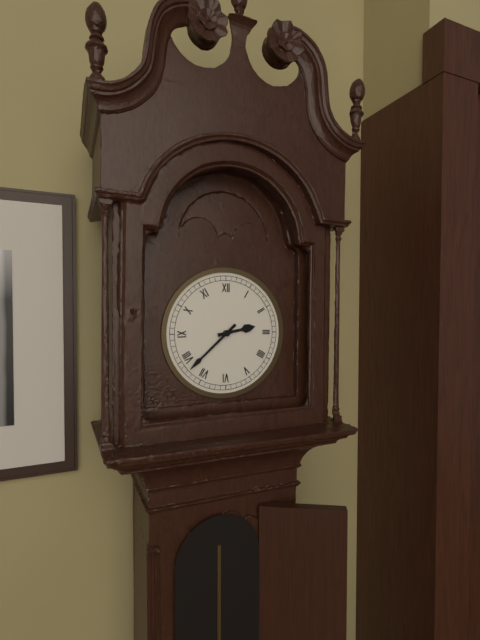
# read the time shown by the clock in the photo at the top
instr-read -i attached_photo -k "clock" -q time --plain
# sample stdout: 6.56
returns 2.38
